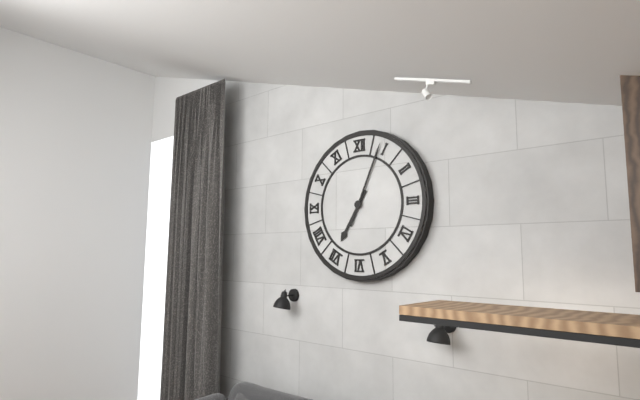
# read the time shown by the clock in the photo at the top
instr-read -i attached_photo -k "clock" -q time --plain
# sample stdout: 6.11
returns 7.04
